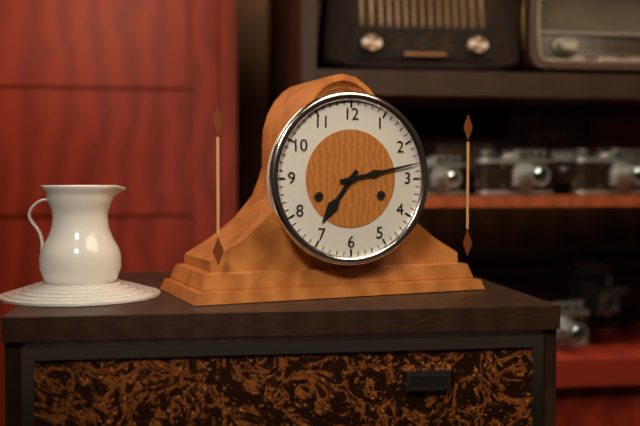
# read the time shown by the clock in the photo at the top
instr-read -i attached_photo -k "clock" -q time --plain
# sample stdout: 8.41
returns 7.13
